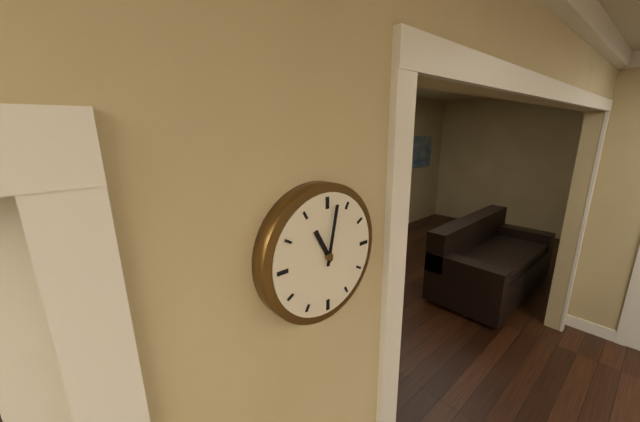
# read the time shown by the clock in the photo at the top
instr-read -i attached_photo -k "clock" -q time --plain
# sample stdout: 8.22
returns 11.02
